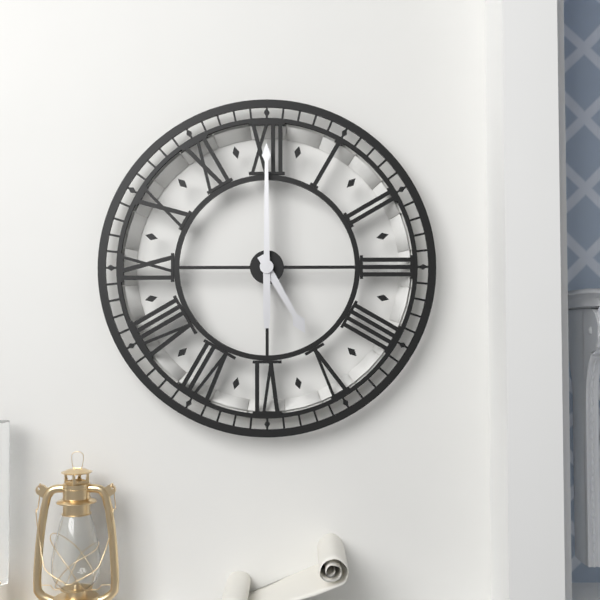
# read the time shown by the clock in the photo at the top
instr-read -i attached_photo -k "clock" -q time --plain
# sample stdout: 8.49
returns 5.00
